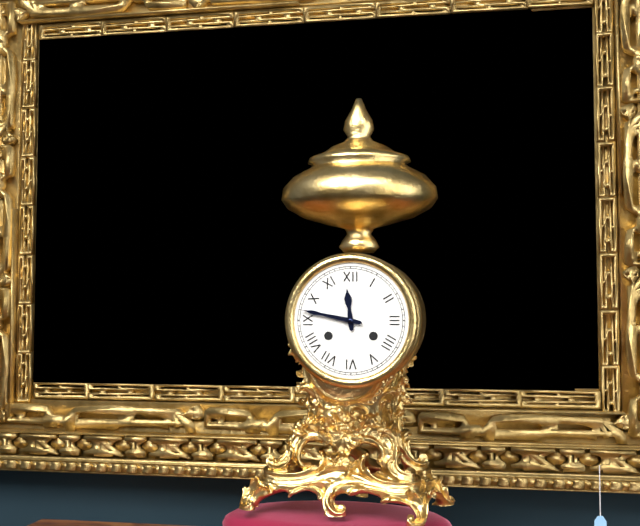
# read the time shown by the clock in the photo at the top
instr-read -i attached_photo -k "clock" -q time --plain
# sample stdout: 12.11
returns 11.47
